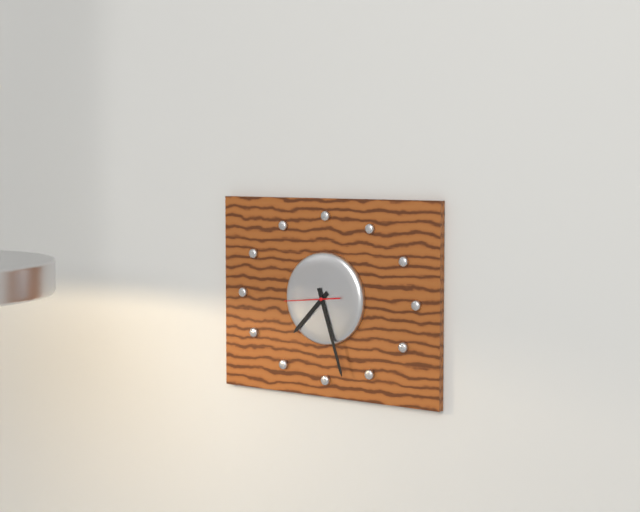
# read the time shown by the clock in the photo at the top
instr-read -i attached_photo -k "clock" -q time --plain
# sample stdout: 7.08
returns 7.27
